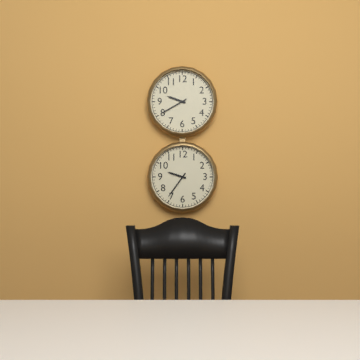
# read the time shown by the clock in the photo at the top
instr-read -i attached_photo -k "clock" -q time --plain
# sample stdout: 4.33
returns 9.40
